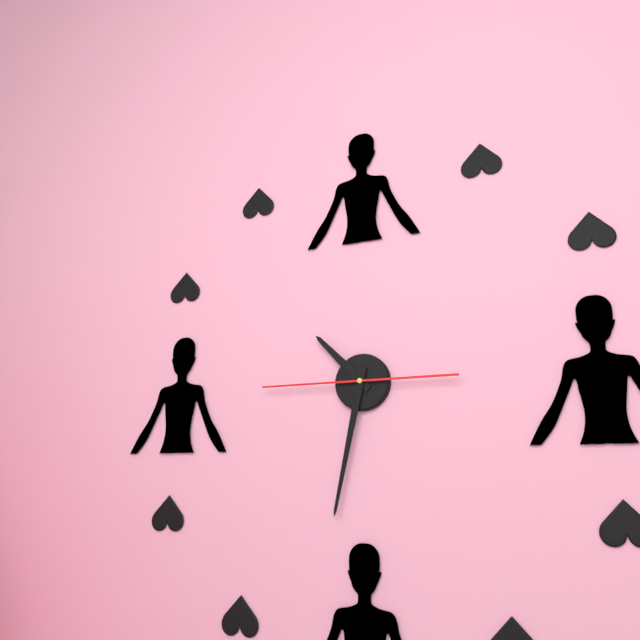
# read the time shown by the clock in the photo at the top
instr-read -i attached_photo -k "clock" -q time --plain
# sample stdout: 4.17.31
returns 10.32.45
